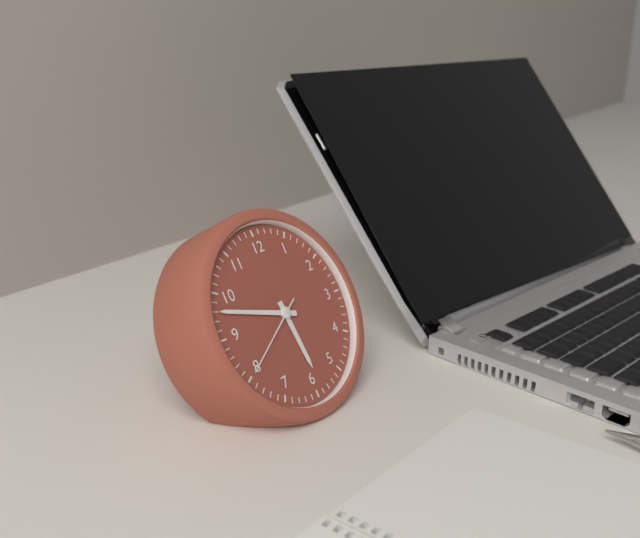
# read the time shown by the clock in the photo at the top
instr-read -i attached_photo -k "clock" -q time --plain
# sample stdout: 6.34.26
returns 5.48.40
